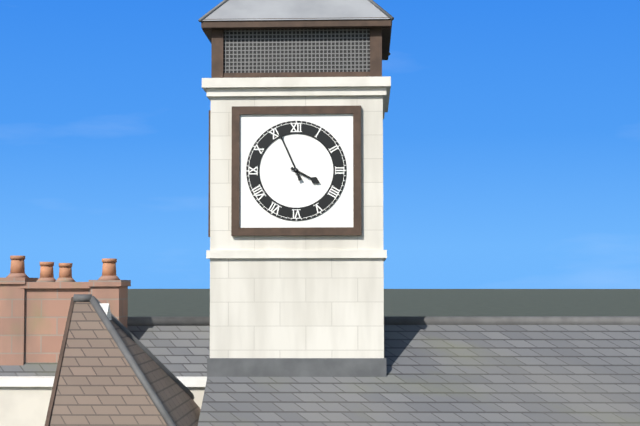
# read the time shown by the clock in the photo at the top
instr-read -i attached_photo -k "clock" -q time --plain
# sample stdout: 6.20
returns 3.56
